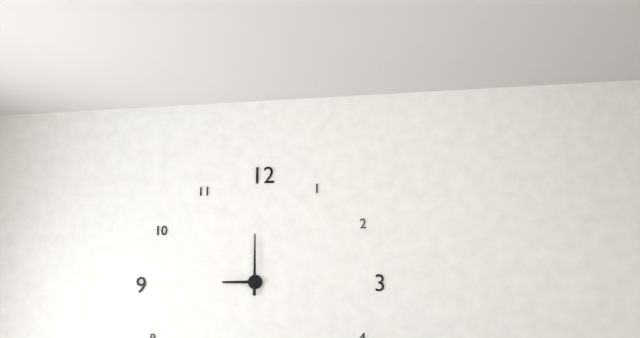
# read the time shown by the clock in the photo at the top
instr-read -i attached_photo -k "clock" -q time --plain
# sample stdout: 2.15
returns 9.00
